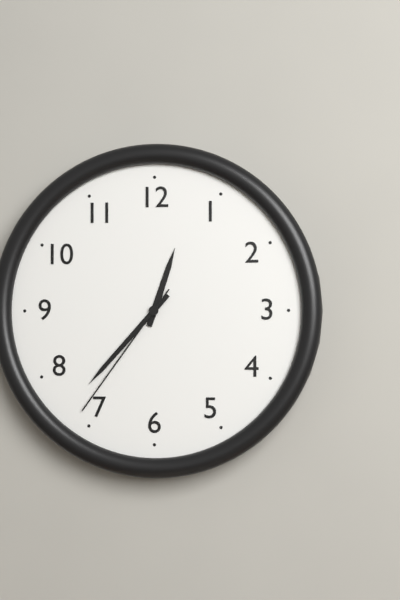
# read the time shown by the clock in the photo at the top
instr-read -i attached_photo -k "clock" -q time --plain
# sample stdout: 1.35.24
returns 12.37.36
